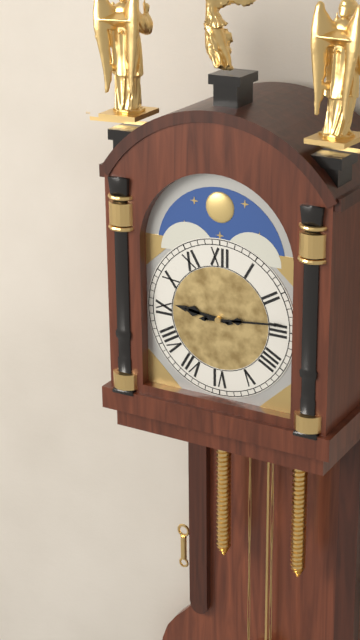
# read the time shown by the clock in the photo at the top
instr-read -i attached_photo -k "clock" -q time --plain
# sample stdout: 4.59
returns 9.14
